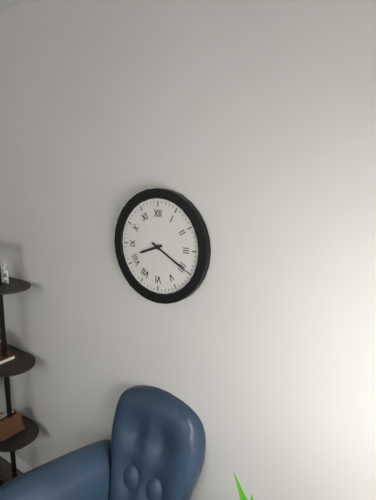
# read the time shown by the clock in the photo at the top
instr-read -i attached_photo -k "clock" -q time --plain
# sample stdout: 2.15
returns 8.20
